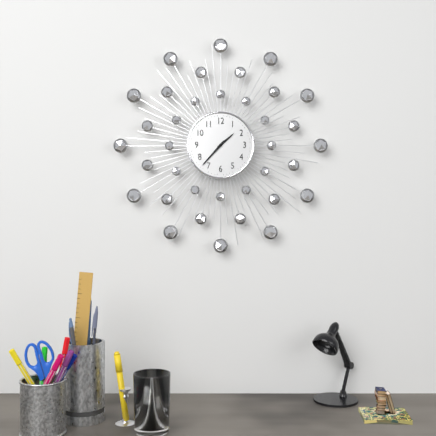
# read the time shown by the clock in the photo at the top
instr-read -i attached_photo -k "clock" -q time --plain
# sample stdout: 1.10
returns 1.37
